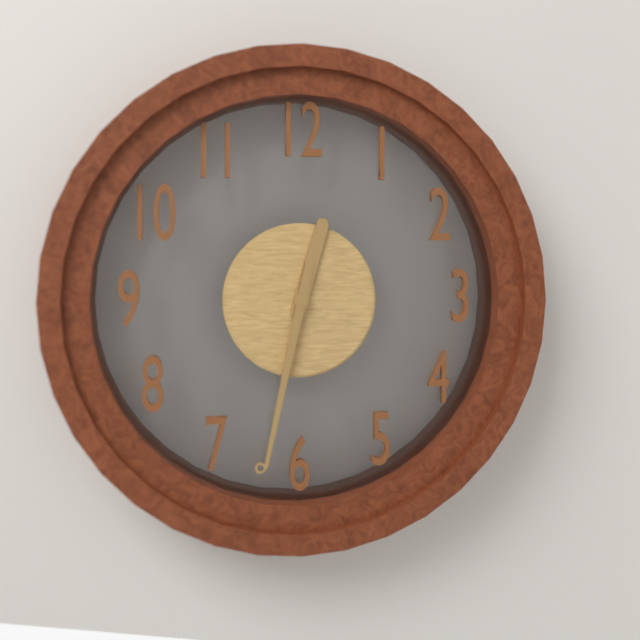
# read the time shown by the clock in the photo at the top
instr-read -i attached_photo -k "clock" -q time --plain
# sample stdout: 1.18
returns 12.32
